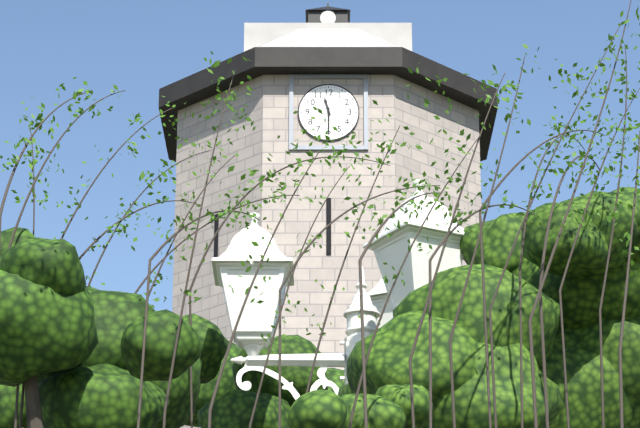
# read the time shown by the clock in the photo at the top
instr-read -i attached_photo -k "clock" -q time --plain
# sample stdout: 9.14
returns 11.30
